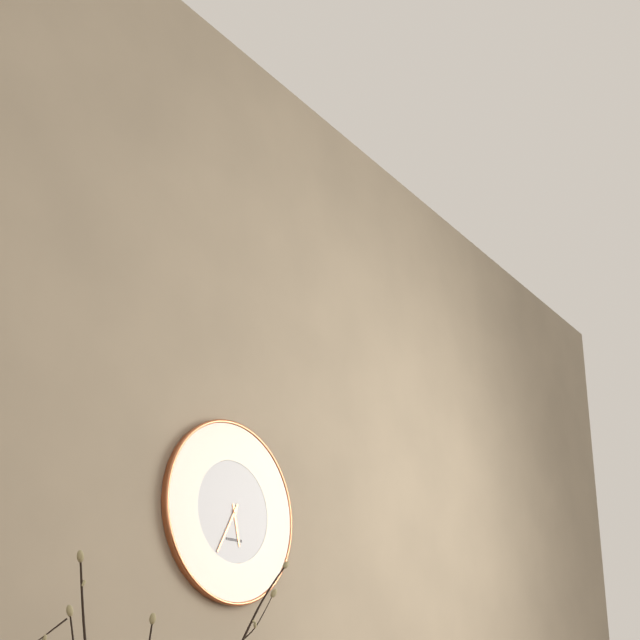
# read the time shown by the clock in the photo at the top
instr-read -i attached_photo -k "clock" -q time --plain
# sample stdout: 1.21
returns 5.35
